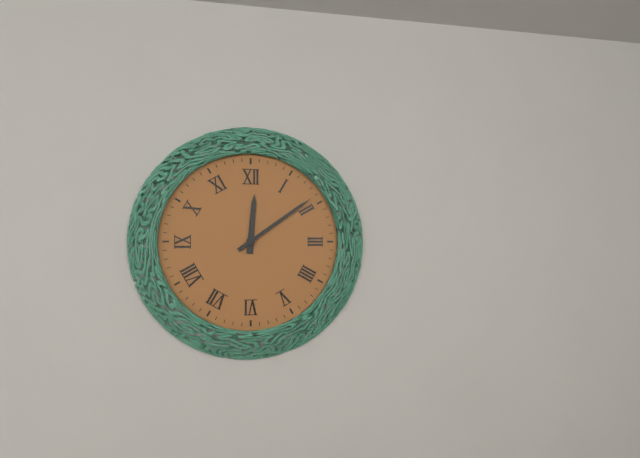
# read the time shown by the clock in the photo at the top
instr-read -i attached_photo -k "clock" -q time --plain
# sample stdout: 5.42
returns 12.09
